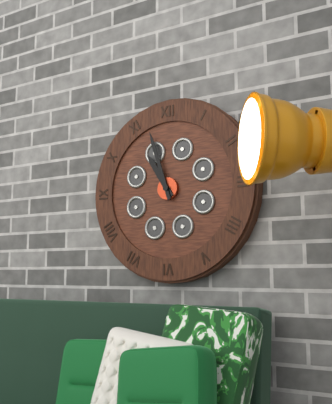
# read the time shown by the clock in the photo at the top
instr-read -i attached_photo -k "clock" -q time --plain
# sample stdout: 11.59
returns 10.57
